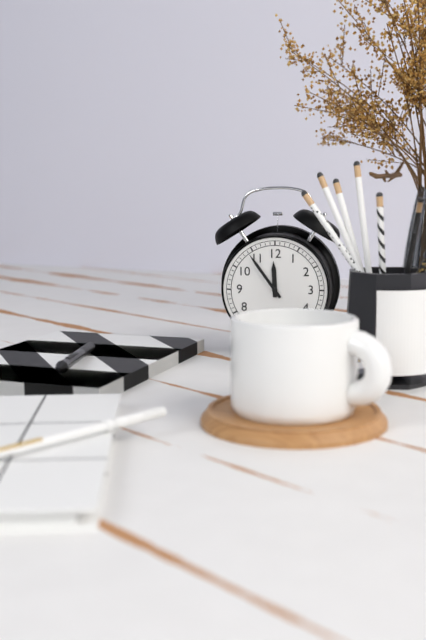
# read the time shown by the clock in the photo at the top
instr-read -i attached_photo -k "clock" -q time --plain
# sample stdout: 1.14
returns 11.54
